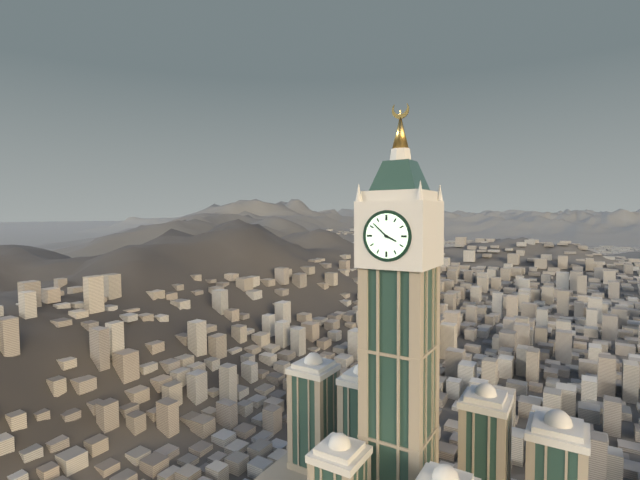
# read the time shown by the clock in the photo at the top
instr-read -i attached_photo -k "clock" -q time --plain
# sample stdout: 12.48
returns 3.52
